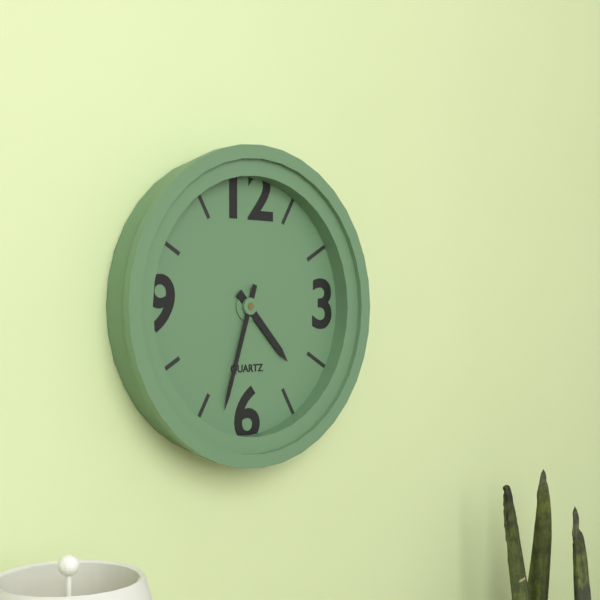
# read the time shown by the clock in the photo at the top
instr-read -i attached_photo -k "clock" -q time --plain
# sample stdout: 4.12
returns 4.33
